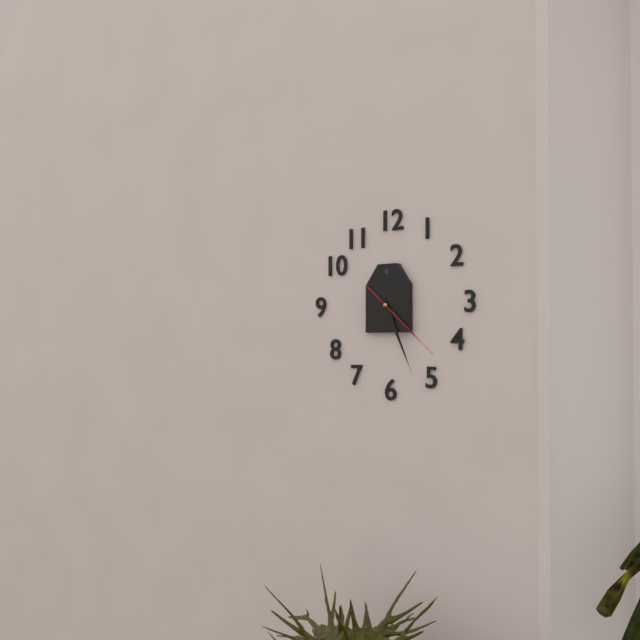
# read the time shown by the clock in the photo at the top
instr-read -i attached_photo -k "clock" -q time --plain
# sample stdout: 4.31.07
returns 4.26.22
